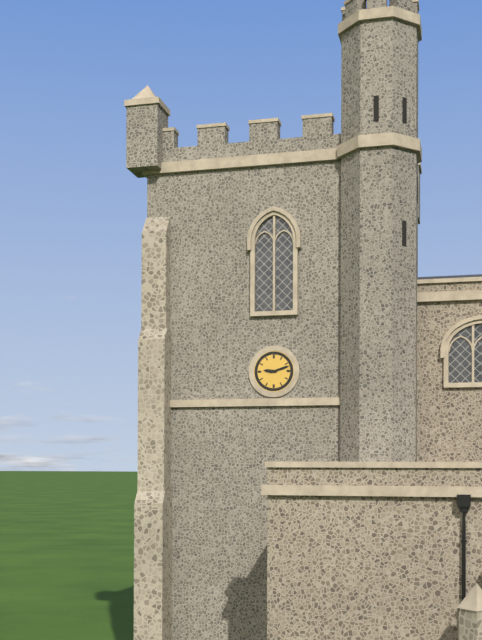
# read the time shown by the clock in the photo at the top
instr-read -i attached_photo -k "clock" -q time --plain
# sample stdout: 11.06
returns 9.12
